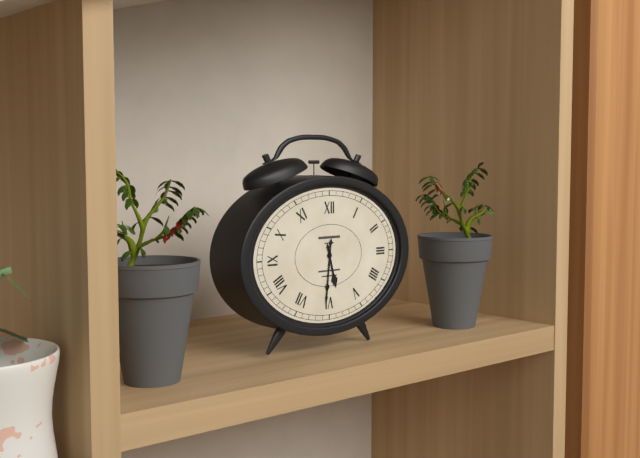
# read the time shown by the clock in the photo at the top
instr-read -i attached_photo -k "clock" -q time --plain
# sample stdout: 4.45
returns 5.31
